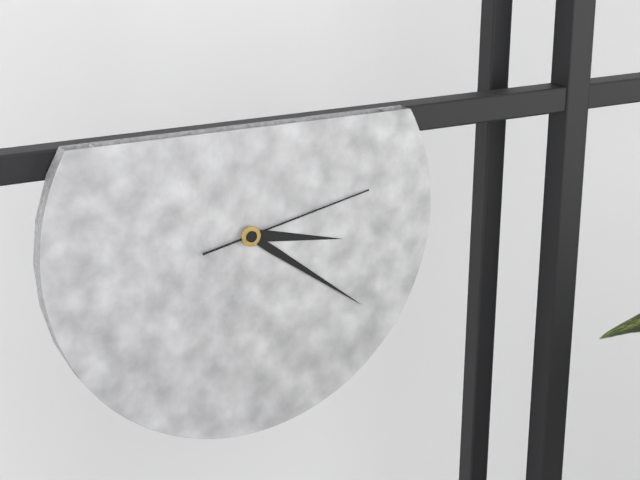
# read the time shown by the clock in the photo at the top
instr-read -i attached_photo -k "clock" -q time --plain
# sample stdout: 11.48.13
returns 3.21.13
